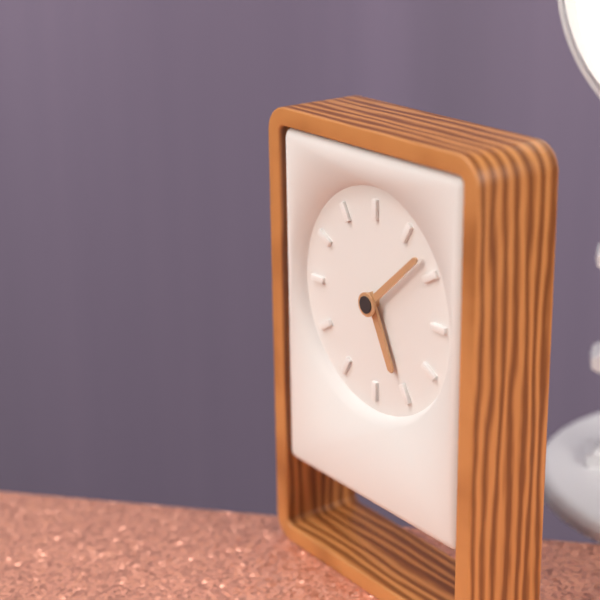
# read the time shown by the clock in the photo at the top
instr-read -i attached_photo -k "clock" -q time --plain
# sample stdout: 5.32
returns 5.08
